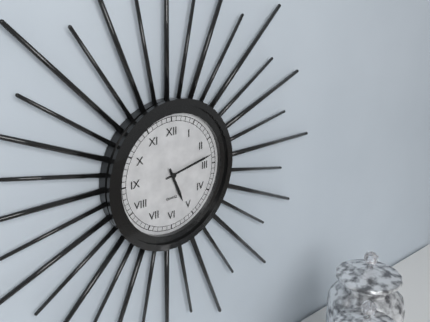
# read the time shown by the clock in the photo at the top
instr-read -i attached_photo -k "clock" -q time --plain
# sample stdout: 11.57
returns 5.13
